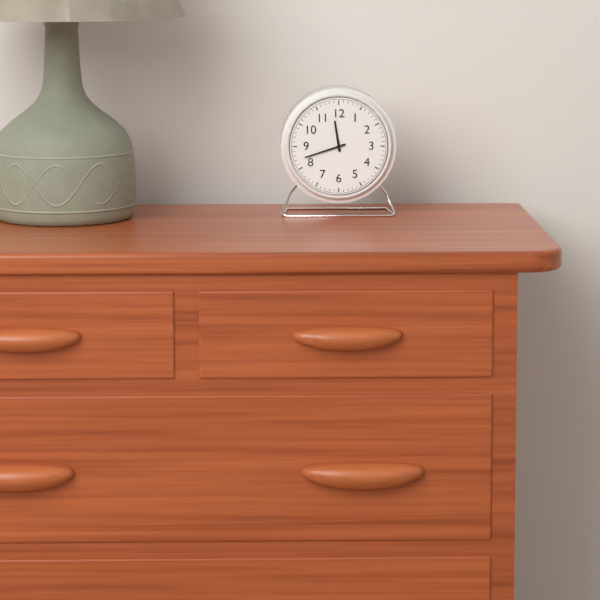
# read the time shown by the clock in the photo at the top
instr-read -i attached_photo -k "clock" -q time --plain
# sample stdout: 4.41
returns 11.42
